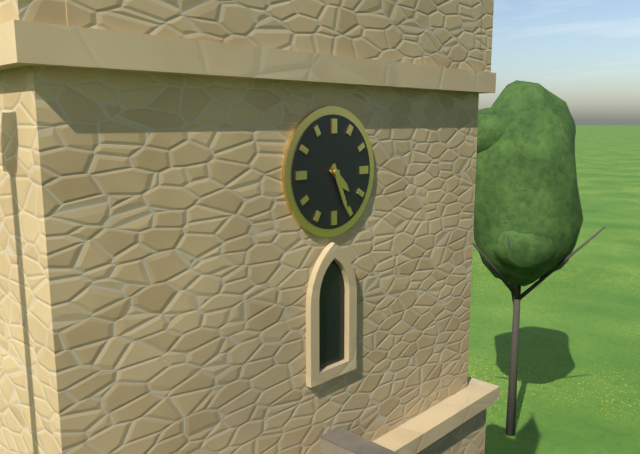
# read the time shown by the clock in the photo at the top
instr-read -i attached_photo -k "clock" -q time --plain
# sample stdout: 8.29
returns 4.26
